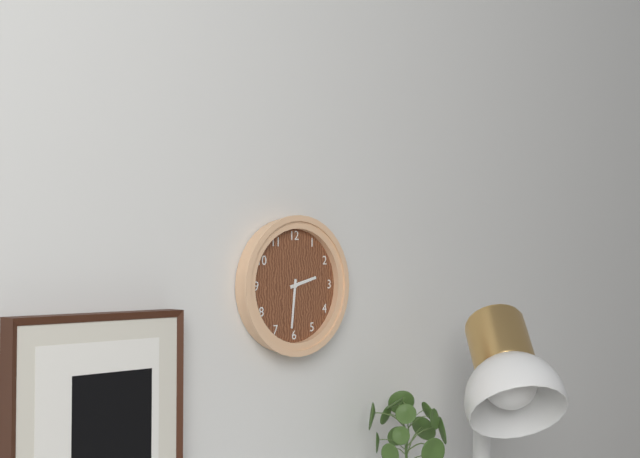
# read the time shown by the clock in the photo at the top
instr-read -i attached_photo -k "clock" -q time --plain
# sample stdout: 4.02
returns 2.31
